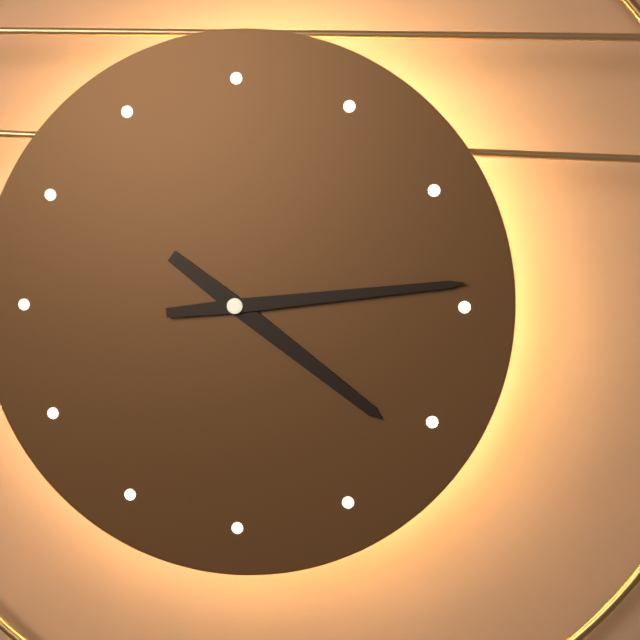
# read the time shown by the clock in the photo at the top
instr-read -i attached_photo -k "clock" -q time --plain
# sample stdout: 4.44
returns 4.14
